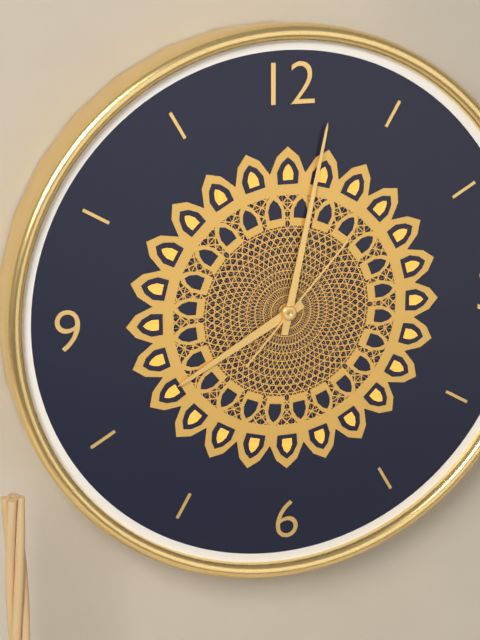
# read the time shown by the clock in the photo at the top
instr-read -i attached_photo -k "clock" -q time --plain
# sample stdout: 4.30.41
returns 8.02.07
